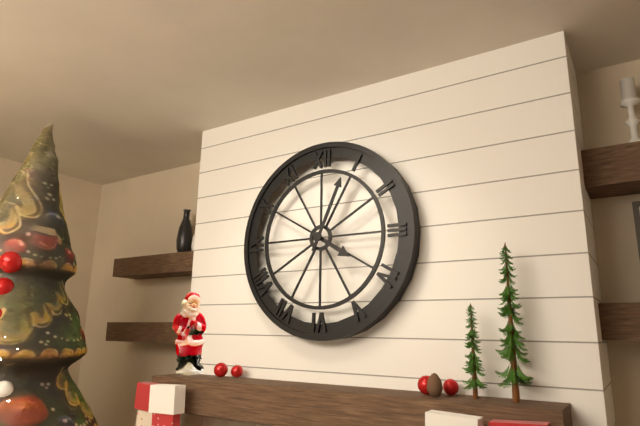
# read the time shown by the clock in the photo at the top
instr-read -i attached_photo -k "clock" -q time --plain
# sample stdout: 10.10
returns 4.04
